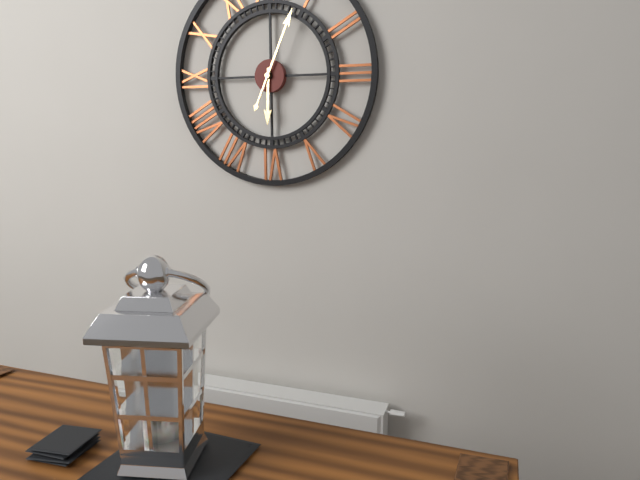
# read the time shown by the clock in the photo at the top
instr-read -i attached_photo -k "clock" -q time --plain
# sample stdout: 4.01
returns 6.04
